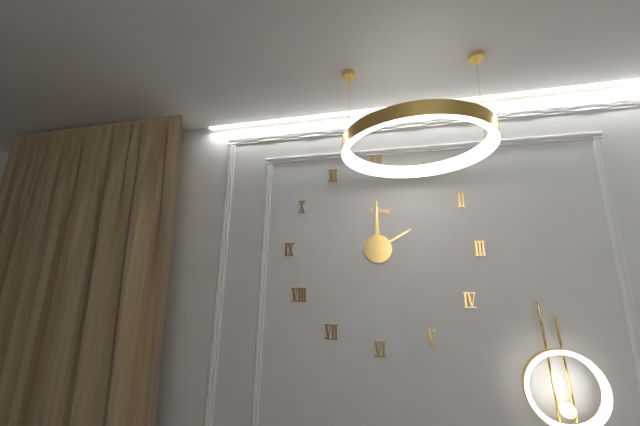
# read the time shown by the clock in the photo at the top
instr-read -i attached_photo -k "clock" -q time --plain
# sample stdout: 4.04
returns 2.00
